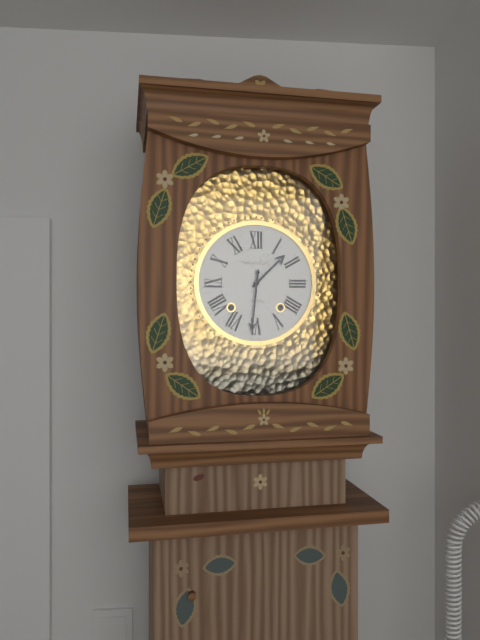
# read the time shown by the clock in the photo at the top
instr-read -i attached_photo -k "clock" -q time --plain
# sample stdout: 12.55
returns 1.31
